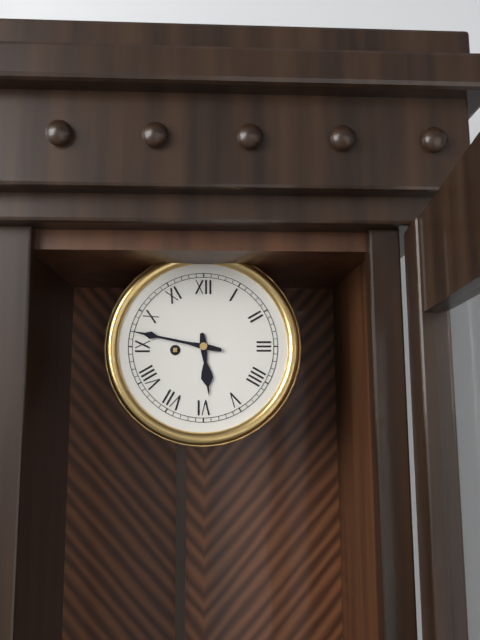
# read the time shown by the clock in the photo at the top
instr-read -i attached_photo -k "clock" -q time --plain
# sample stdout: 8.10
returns 5.47
